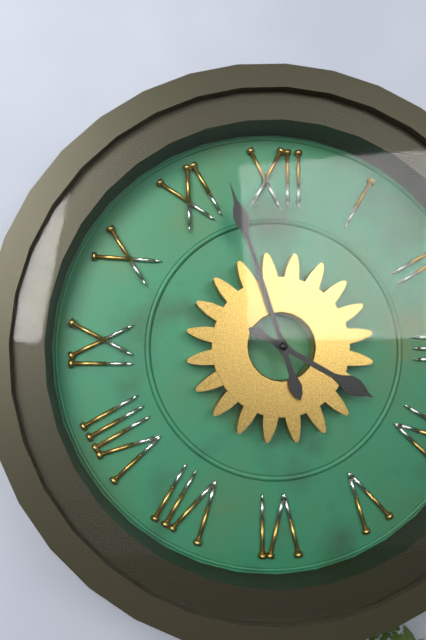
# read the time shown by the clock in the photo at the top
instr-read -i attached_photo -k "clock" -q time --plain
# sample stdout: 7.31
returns 3.57
